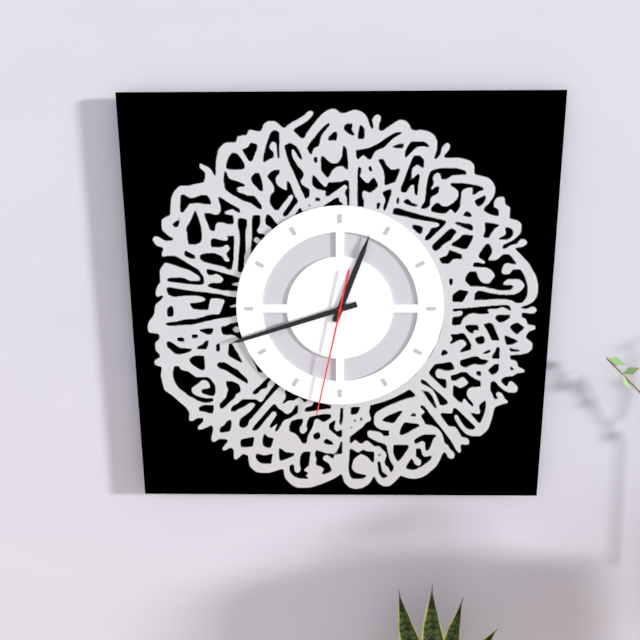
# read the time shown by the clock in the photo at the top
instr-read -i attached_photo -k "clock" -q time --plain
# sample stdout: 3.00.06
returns 12.42.32
